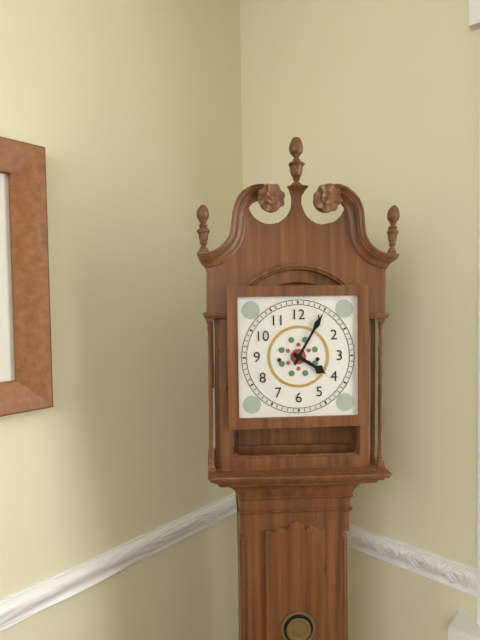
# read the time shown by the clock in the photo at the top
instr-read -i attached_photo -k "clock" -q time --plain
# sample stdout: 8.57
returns 4.05
